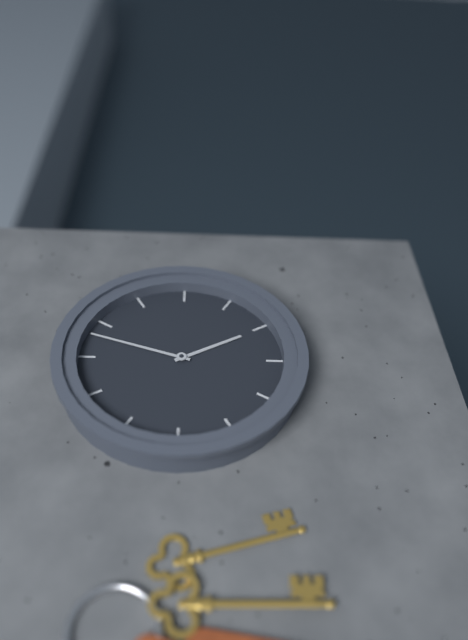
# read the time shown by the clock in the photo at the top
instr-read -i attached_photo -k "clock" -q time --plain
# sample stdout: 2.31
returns 5.03
